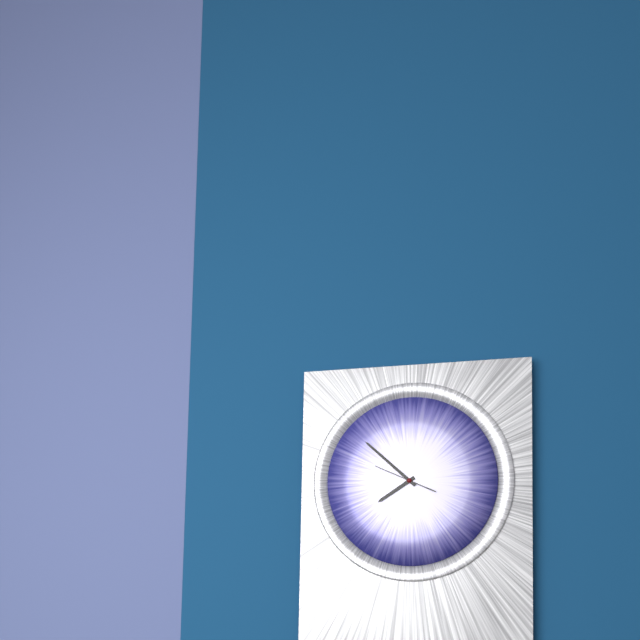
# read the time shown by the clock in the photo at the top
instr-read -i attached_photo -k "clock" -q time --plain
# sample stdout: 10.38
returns 7.52
